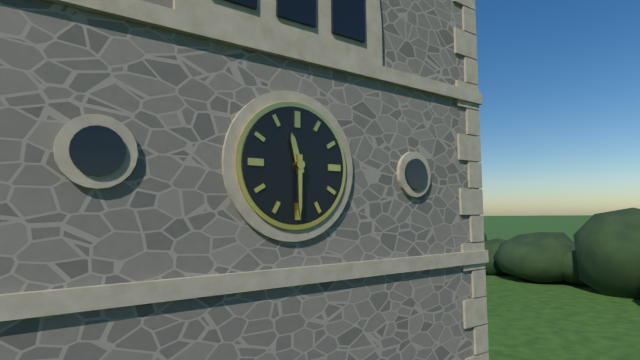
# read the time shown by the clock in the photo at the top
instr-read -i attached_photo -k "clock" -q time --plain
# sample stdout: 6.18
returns 11.30
